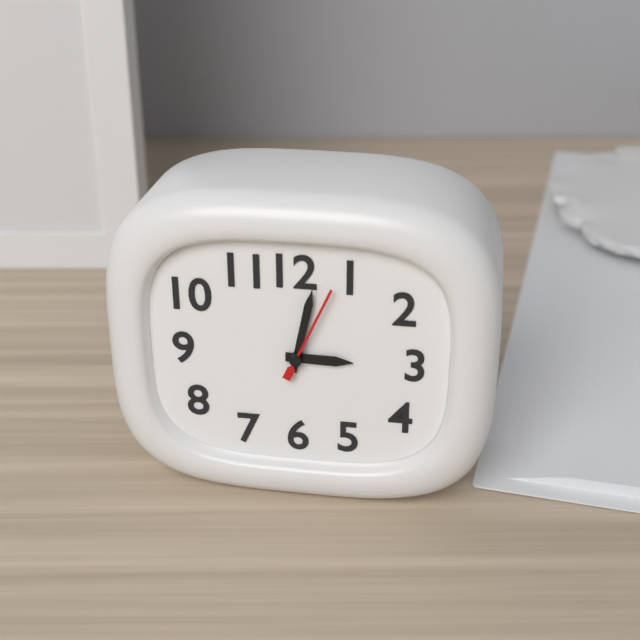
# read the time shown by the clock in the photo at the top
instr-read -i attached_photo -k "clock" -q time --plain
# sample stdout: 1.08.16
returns 3.02.04
